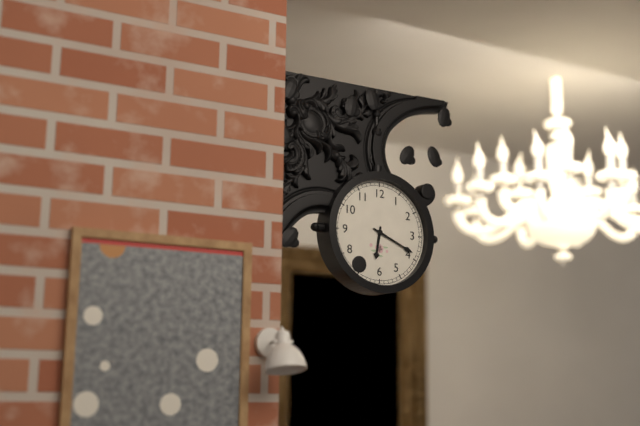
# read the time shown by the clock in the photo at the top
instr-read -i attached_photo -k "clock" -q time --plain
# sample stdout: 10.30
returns 6.19
